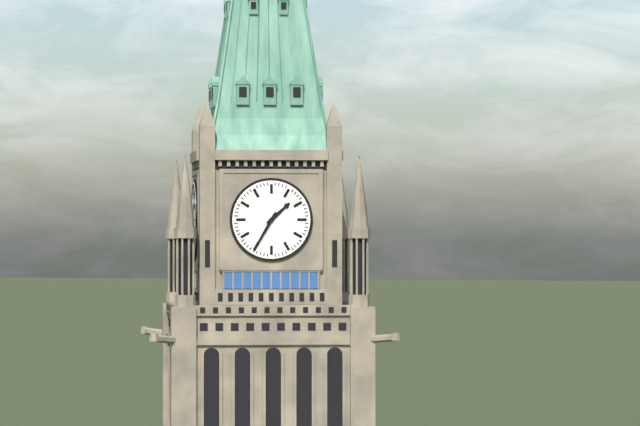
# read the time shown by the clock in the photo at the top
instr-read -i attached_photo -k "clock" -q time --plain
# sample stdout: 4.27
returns 1.35
